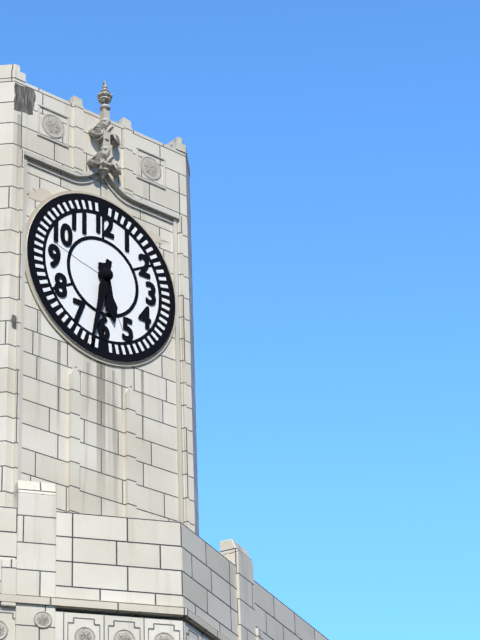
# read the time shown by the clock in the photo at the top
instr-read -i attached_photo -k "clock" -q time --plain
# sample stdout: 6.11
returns 5.32
